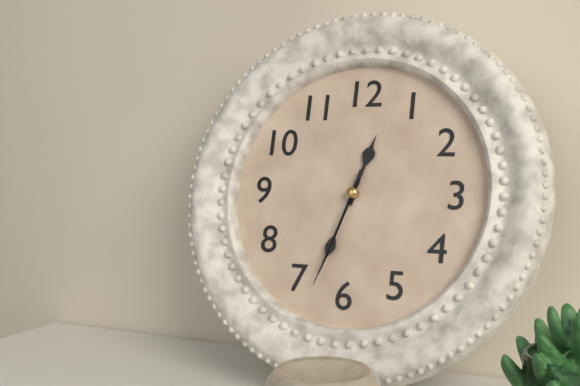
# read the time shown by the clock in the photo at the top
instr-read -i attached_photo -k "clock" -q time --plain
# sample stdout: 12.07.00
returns 12.33.33
